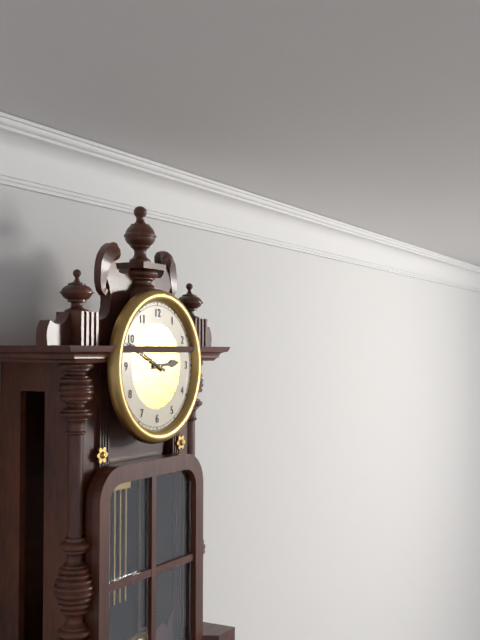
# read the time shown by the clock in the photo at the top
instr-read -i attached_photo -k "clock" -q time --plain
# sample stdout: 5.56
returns 2.49
